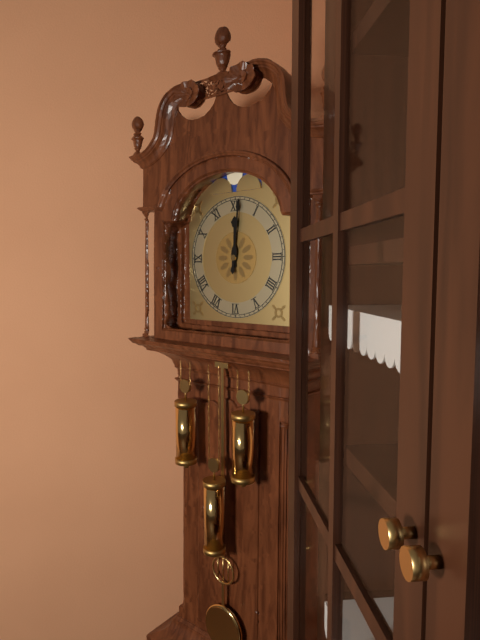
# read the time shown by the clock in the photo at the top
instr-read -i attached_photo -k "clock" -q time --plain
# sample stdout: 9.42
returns 12.01
